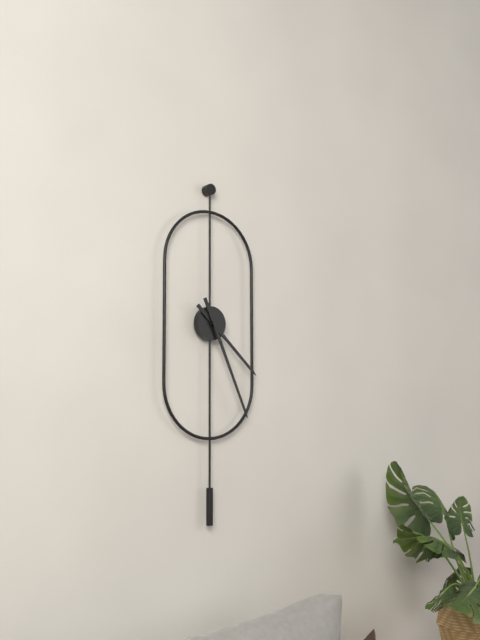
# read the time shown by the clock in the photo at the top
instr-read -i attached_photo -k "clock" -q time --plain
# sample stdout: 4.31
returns 4.26
